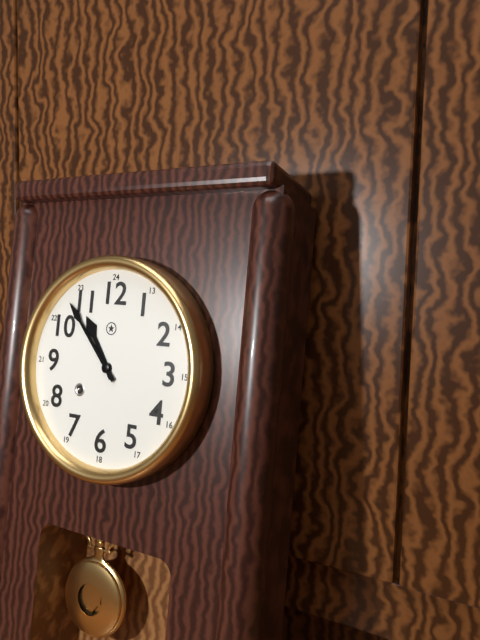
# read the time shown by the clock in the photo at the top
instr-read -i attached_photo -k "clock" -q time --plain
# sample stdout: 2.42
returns 10.53
